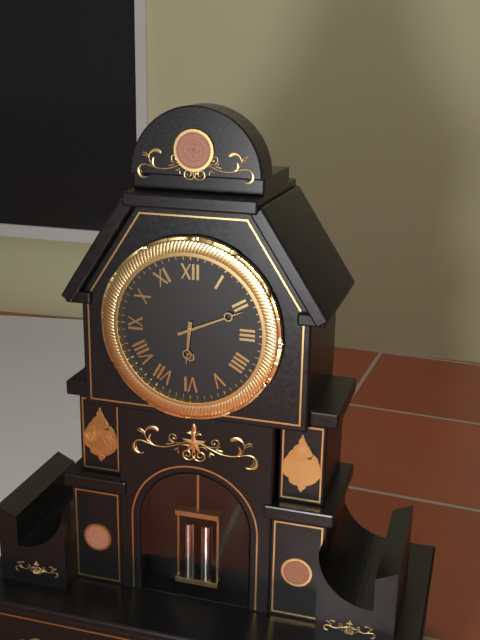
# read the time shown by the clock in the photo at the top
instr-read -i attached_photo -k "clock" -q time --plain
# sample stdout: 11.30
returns 6.11
